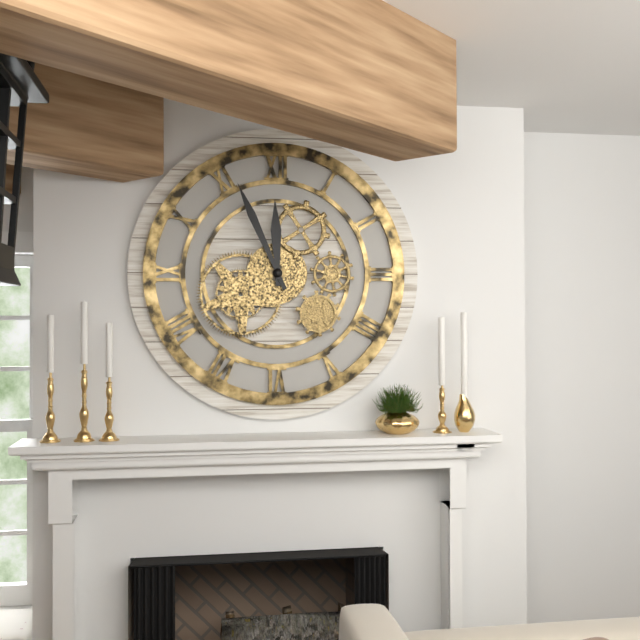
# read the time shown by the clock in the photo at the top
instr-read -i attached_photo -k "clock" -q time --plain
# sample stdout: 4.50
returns 11.56
